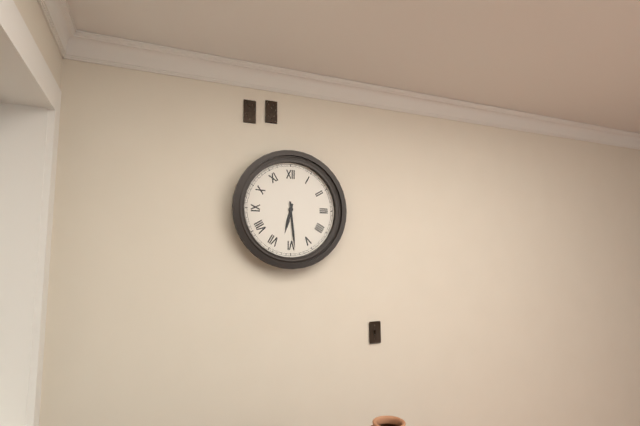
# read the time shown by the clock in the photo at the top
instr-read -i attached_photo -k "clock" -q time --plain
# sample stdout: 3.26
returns 6.29
